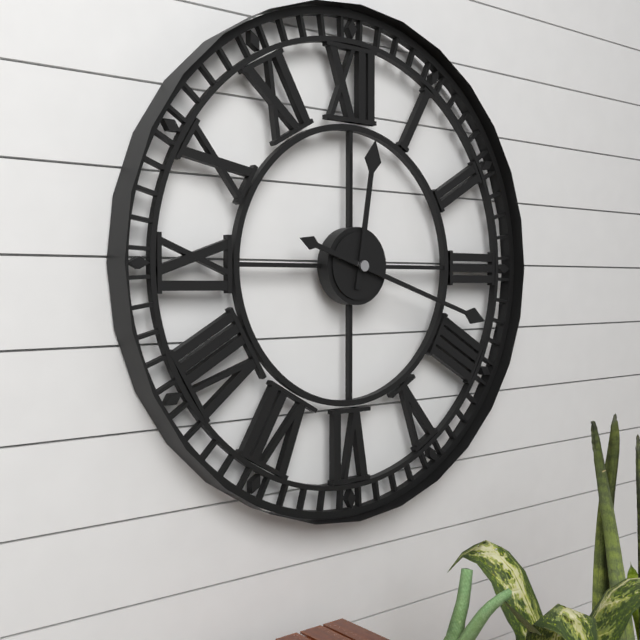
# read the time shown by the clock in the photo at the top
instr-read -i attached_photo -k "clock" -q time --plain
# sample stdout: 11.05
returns 12.18
